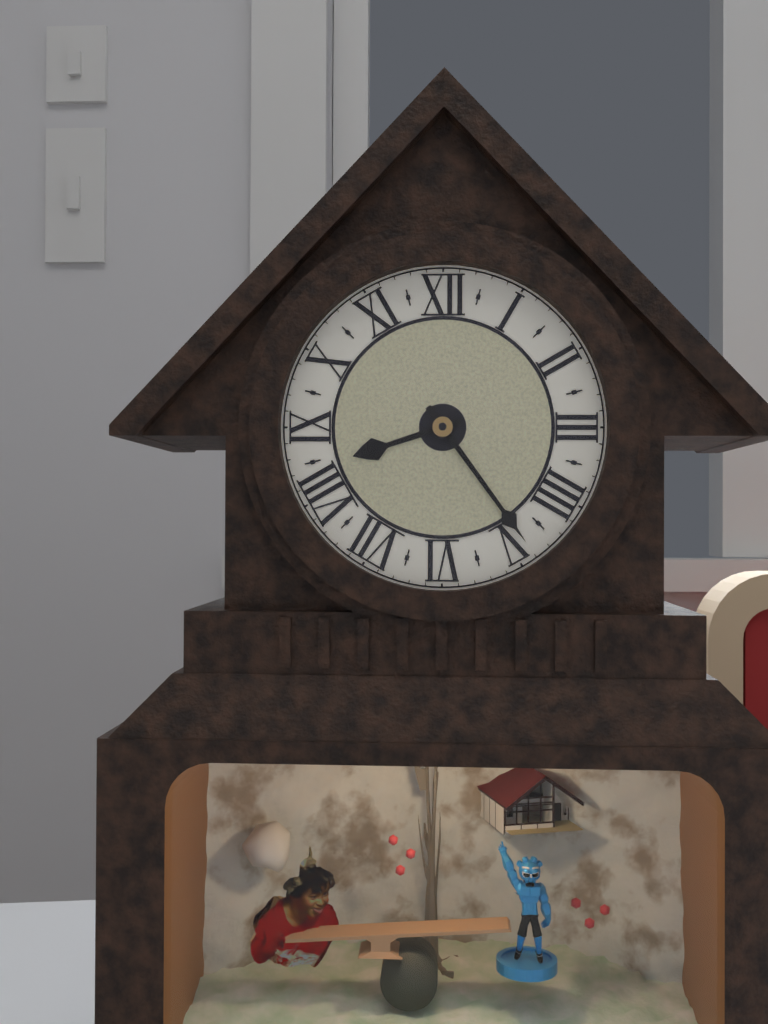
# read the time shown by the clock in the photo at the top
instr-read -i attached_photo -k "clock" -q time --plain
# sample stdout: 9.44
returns 8.24
